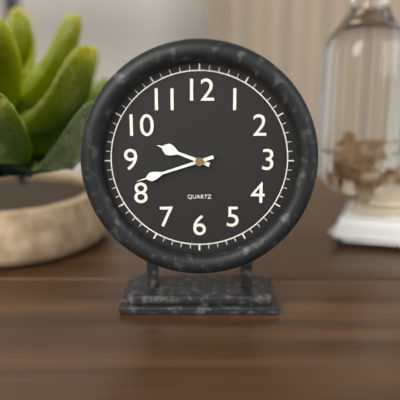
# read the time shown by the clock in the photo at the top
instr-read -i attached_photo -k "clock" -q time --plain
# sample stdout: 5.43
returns 9.42
